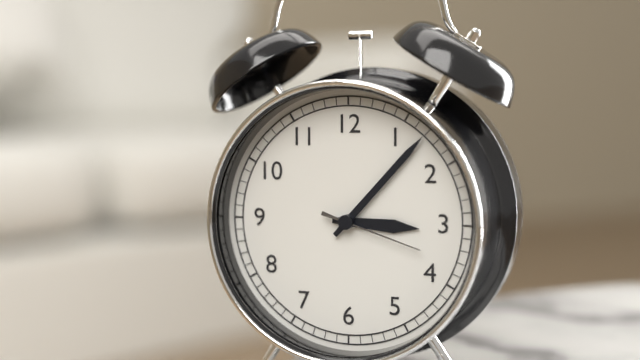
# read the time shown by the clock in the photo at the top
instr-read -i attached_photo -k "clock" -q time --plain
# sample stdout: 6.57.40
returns 3.07.18
